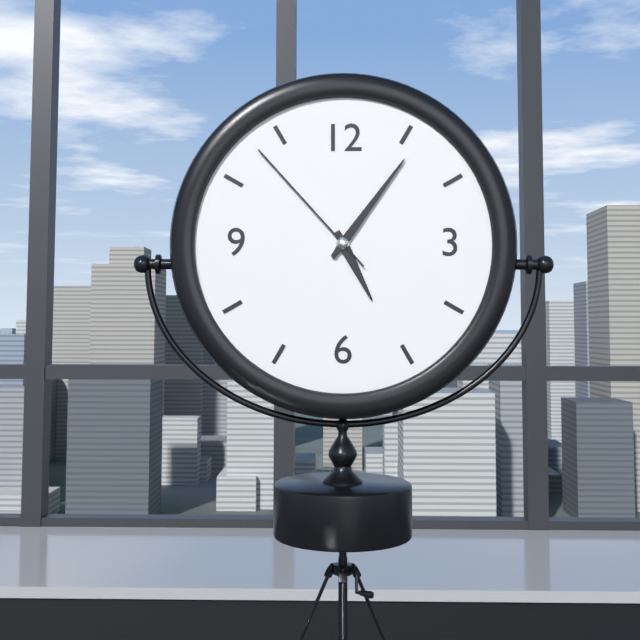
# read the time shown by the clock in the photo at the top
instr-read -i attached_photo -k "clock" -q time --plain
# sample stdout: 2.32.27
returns 5.06.53
